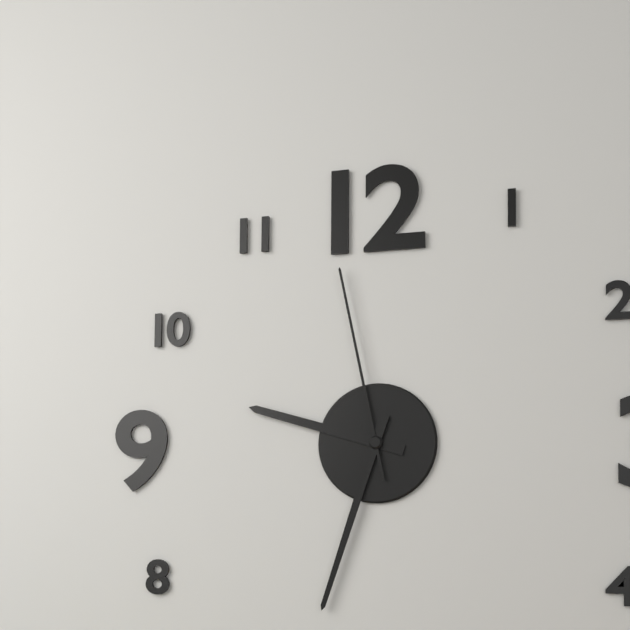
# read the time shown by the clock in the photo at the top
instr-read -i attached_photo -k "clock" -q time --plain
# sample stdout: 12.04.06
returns 9.33.58
